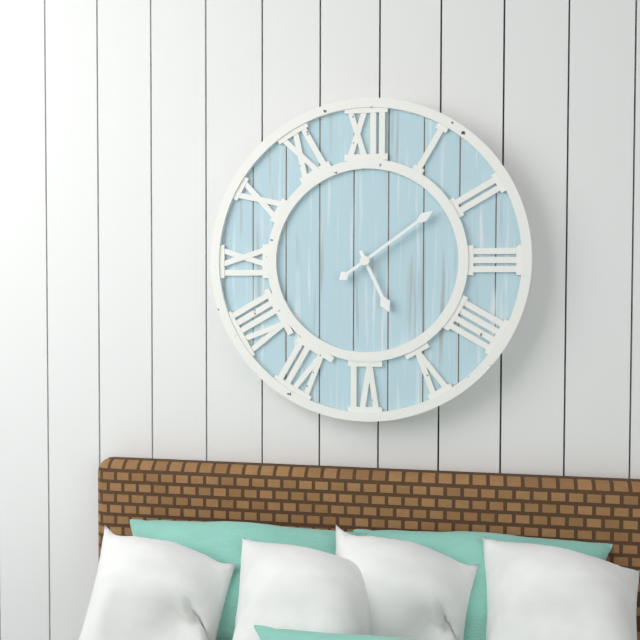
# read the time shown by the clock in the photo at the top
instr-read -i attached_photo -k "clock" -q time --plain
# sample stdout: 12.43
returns 5.09
